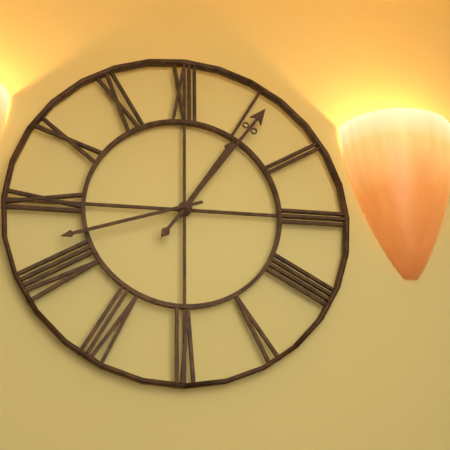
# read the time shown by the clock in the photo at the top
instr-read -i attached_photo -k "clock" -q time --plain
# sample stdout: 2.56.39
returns 1.06.42
